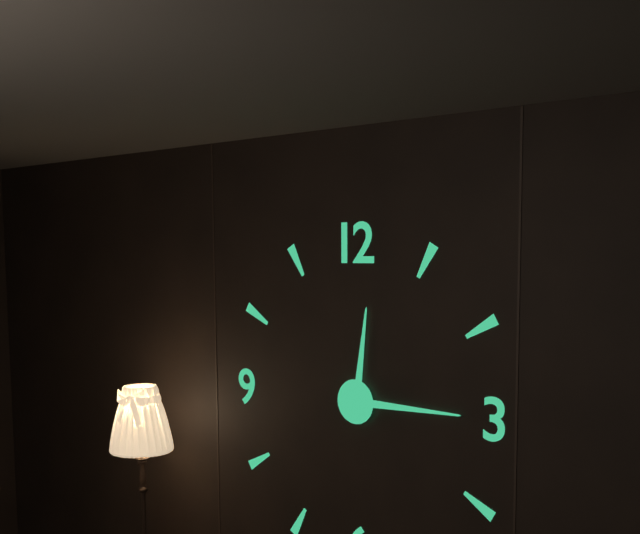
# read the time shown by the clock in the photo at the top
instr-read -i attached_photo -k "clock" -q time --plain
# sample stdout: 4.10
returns 12.15
